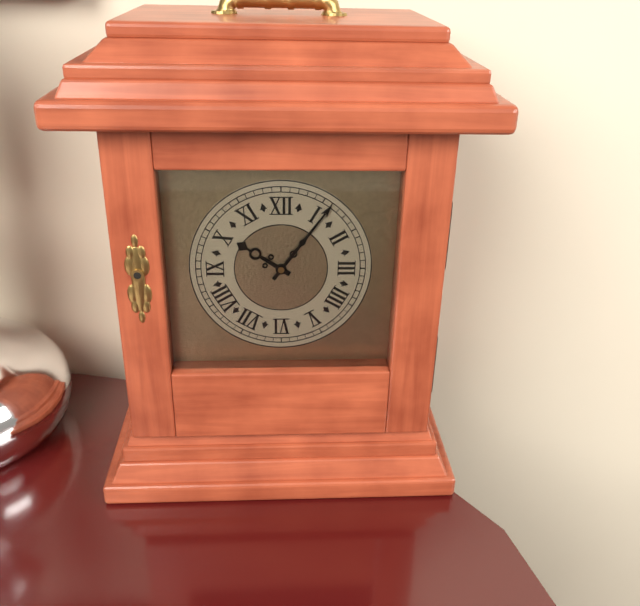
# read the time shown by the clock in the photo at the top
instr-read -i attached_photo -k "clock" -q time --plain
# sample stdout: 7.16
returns 10.06
